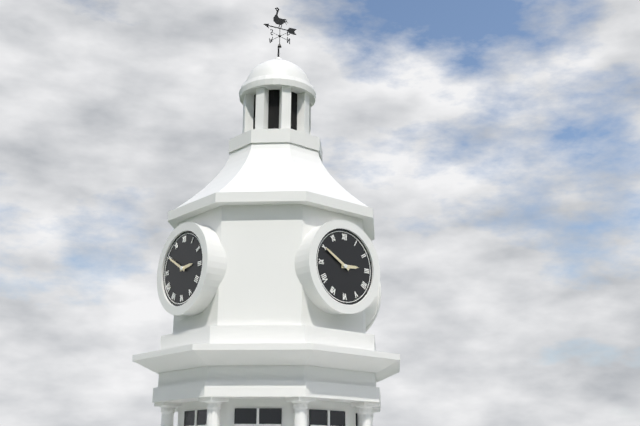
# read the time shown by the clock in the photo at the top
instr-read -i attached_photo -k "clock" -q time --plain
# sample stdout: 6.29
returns 2.50
